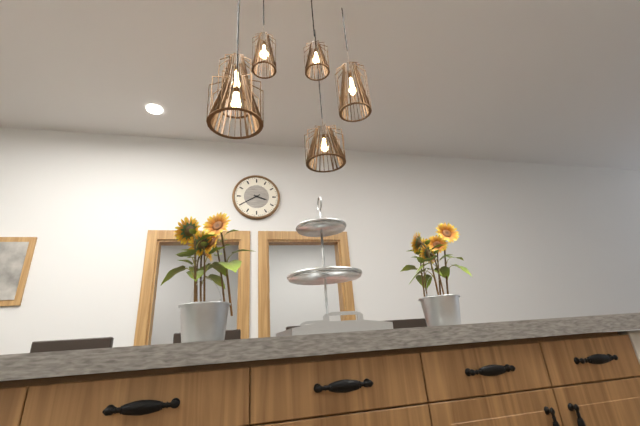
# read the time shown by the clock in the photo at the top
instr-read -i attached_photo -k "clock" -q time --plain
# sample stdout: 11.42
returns 3.40
